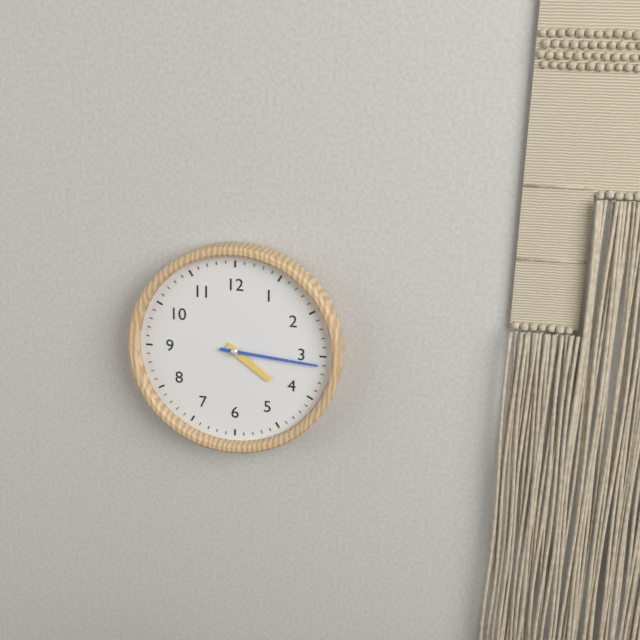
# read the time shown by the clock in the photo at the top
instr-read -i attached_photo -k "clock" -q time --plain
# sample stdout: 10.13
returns 4.16
